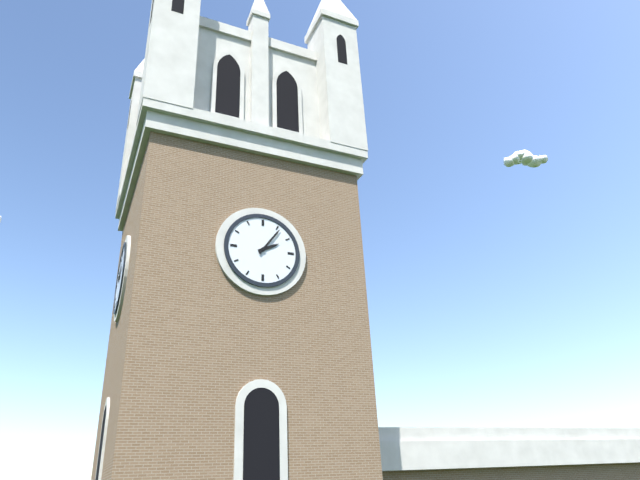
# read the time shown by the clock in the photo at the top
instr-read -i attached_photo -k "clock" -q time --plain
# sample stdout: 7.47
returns 2.06
